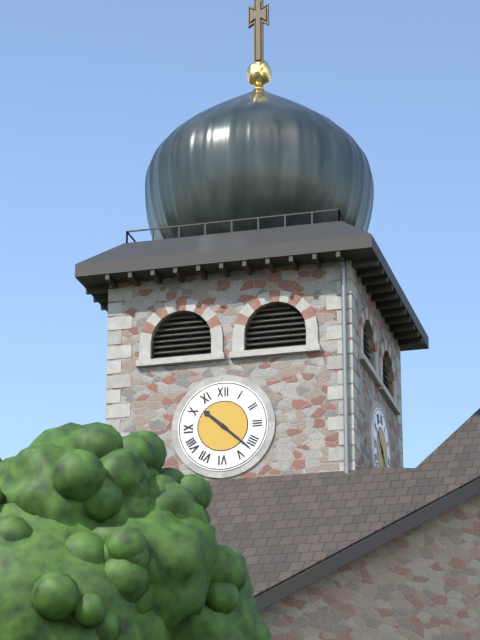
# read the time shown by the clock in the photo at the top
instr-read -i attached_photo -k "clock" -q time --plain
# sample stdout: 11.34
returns 10.22
